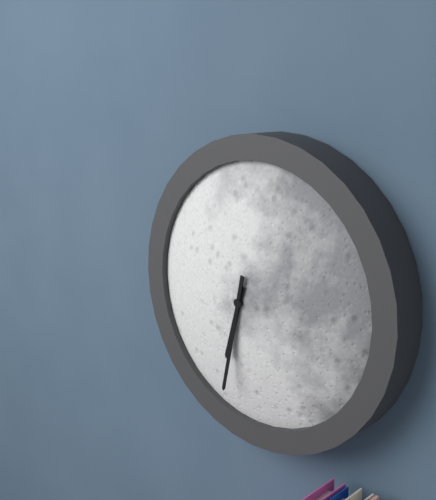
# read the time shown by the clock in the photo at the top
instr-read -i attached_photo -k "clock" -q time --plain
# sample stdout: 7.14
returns 6.32
